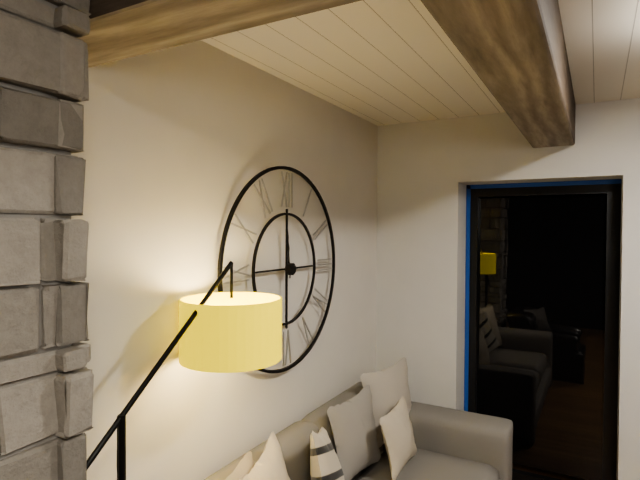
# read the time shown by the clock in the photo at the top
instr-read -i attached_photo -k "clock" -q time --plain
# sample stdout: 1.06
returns 11.59
